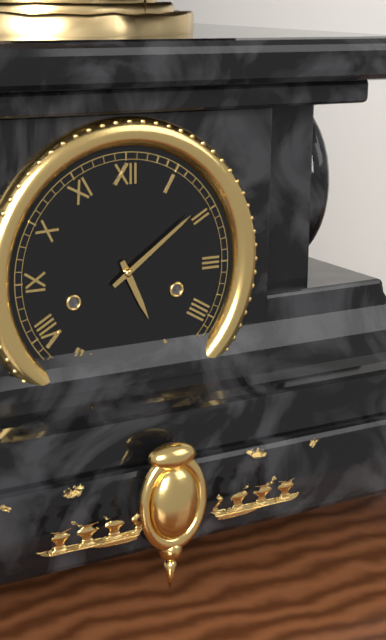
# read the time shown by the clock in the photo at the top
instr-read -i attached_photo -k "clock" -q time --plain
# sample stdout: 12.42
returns 5.09
